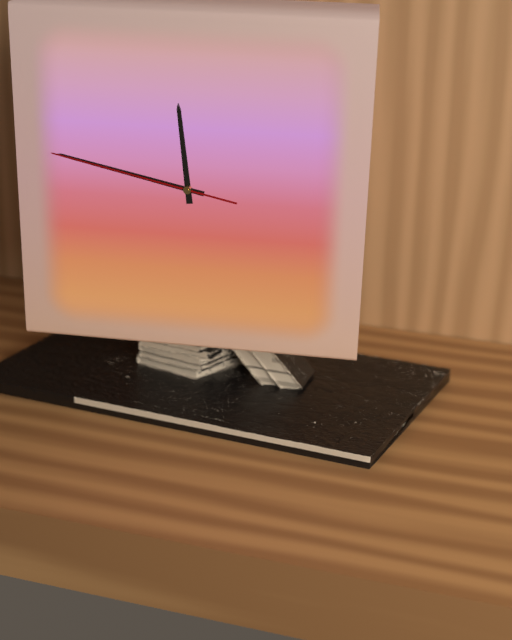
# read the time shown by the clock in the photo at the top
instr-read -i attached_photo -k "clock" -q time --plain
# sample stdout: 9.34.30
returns 11.47.47
